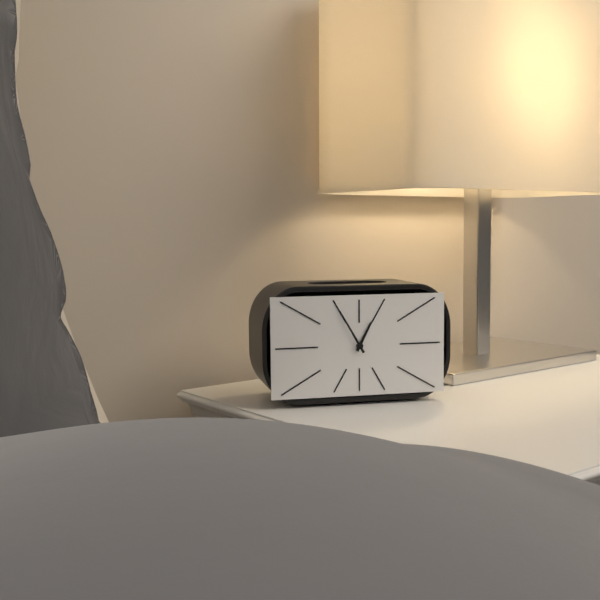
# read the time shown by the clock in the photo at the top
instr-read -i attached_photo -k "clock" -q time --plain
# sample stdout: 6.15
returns 12.55
